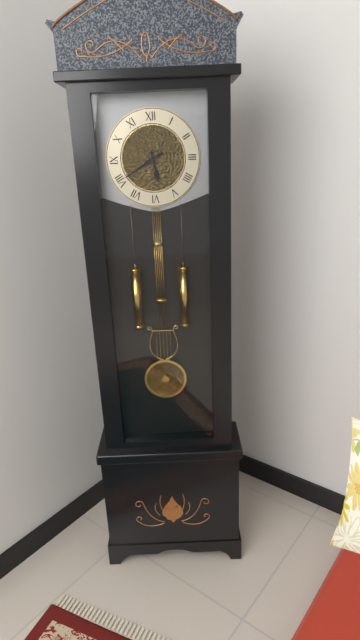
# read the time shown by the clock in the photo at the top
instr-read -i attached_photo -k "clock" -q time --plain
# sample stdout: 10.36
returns 5.40
